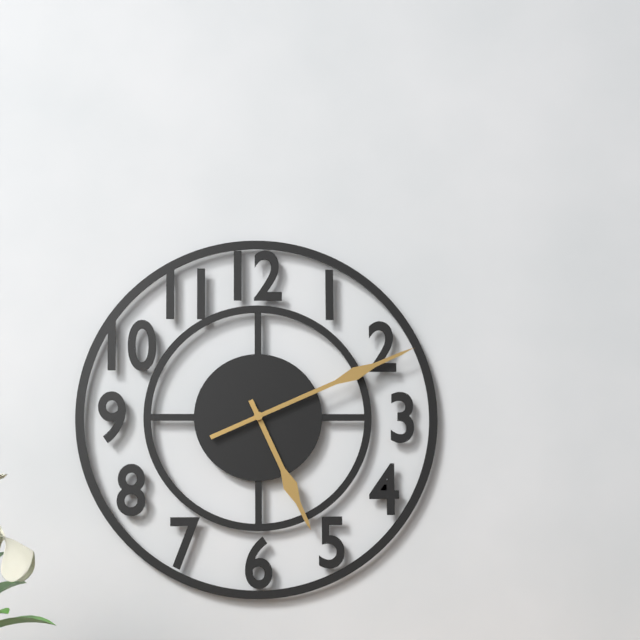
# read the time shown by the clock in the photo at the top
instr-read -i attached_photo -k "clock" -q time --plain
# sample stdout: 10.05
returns 5.11
